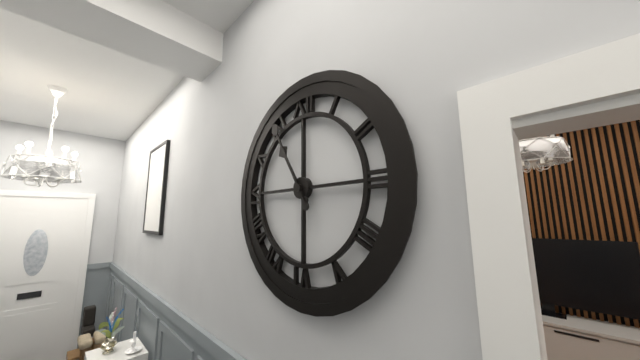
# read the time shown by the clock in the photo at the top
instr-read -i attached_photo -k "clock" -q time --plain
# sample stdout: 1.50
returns 10.55
